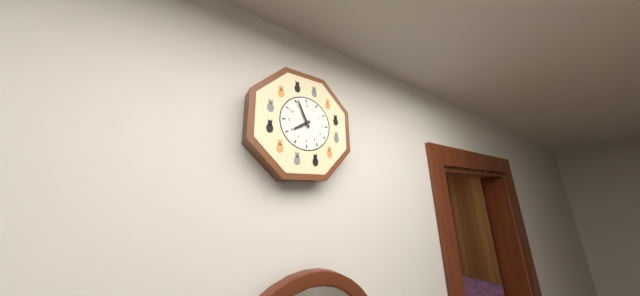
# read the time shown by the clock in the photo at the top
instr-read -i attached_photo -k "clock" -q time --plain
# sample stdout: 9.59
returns 7.56
